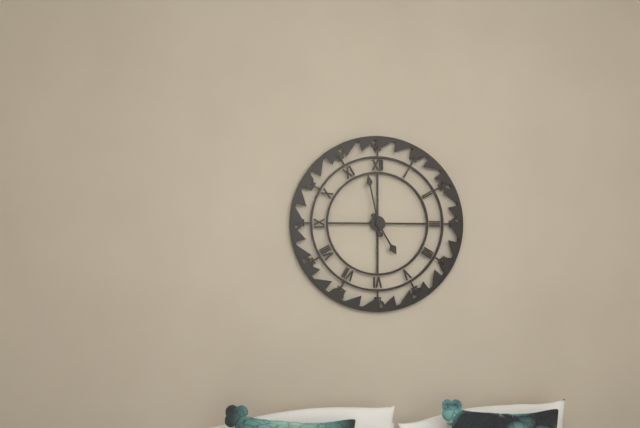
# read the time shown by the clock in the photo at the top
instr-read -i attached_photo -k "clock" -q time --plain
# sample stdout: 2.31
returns 4.58
